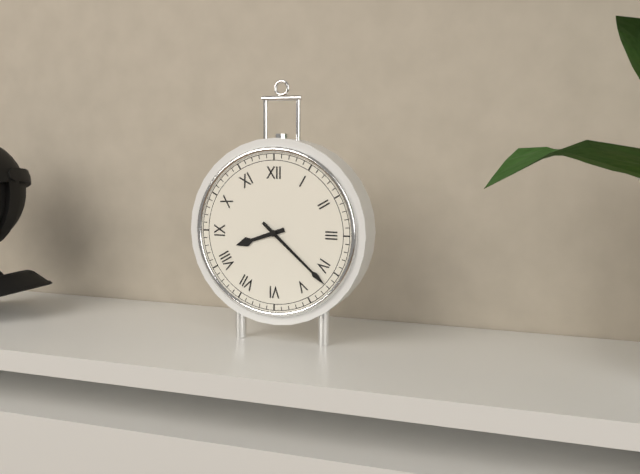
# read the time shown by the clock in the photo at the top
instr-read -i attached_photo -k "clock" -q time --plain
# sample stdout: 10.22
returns 8.22
